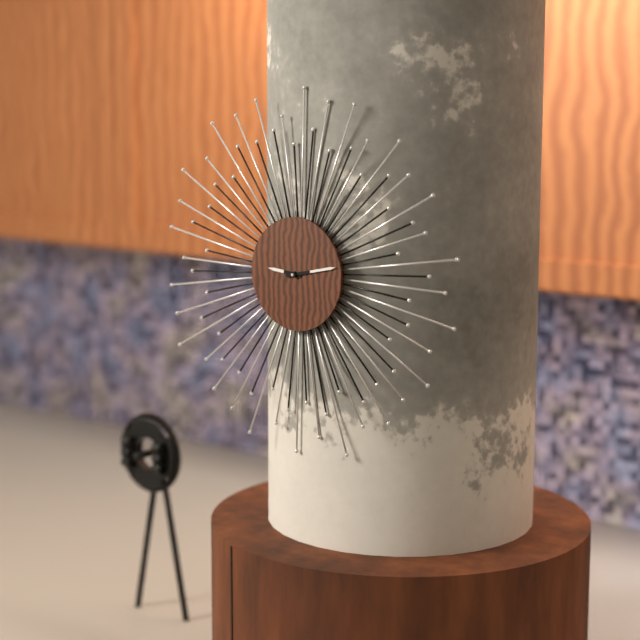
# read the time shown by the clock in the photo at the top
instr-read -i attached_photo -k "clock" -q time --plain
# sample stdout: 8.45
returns 9.13
